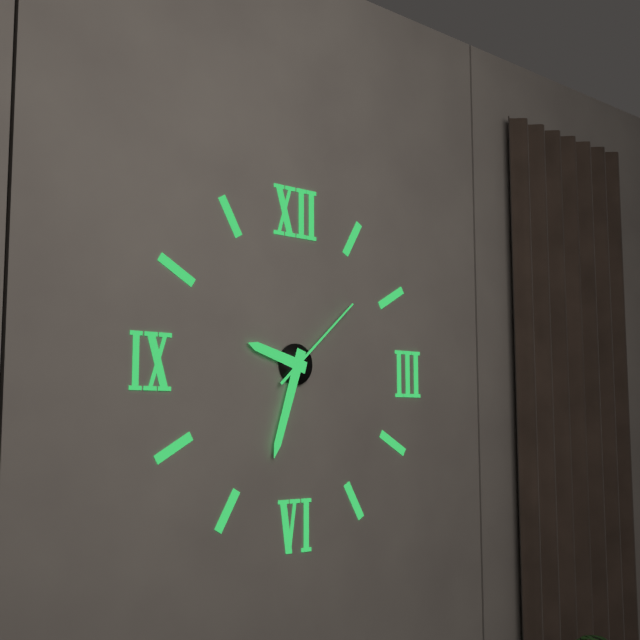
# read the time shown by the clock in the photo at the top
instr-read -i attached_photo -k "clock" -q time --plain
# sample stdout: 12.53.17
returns 9.33.08
